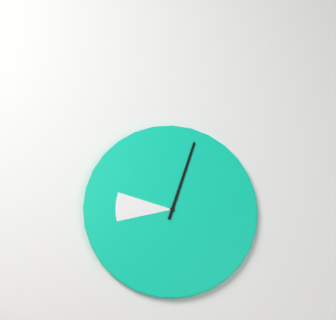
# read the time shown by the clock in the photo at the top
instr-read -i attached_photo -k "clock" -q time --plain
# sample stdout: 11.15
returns 9.03
